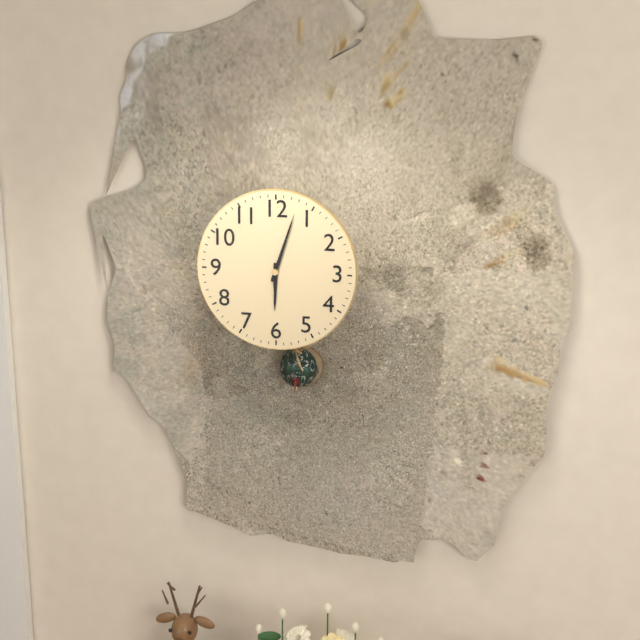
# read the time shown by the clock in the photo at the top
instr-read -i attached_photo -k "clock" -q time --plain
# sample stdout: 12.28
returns 6.03
